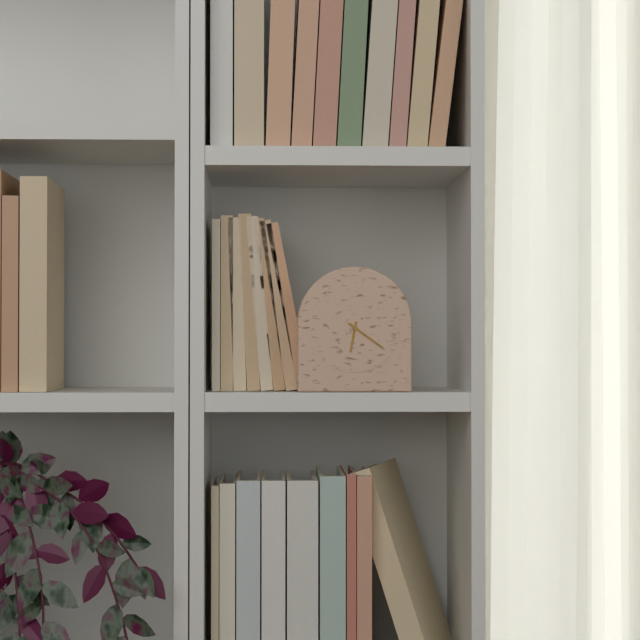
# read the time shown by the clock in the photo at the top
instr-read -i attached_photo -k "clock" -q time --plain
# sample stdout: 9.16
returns 6.21
